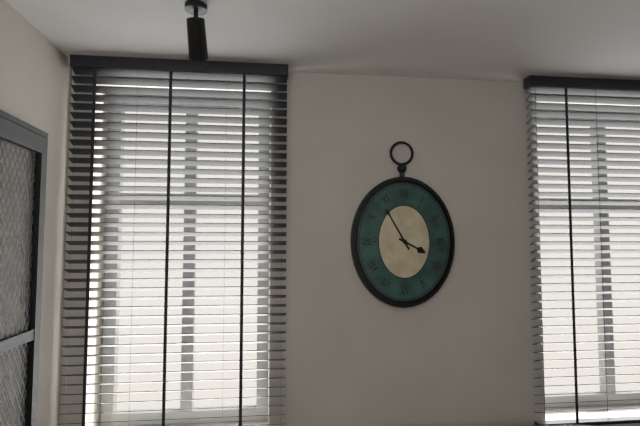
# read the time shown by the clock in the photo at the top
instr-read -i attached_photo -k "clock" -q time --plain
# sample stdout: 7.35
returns 3.55
